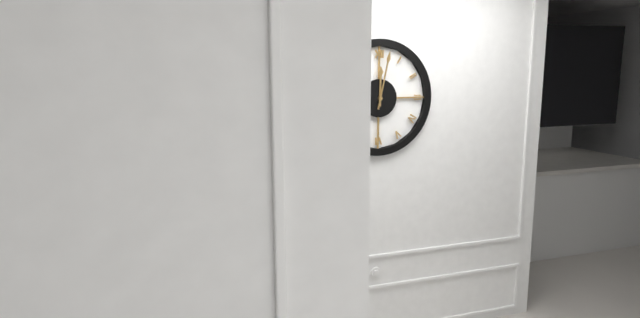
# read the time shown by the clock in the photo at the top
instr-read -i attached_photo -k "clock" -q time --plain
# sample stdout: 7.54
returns 12.02
